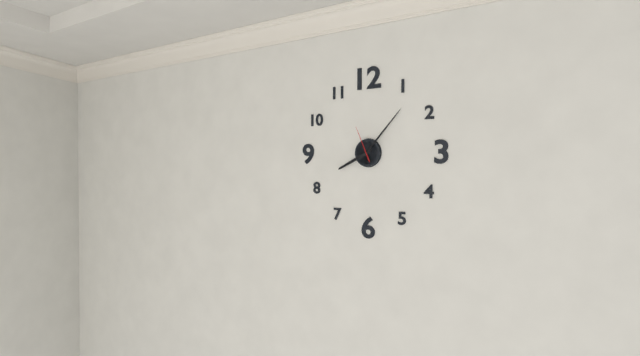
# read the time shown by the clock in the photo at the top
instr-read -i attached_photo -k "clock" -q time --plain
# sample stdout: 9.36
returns 8.07
